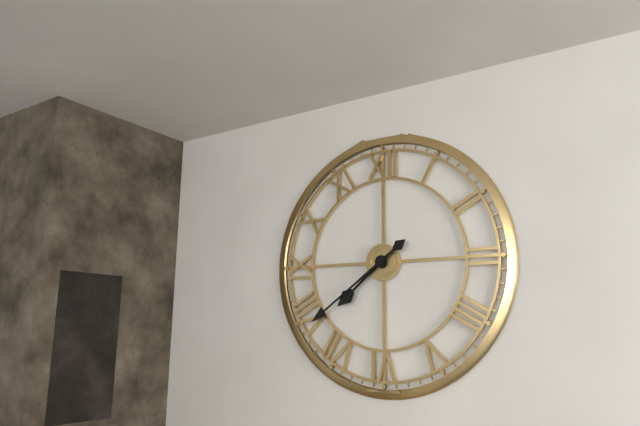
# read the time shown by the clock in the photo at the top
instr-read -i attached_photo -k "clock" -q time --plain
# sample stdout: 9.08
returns 7.39
